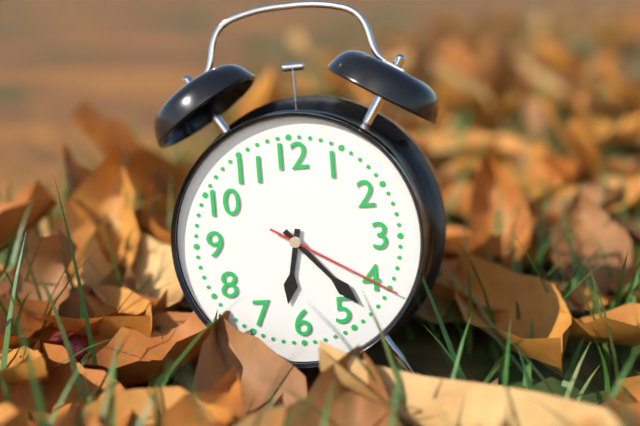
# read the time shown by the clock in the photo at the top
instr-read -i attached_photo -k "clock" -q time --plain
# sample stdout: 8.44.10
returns 6.23.20
